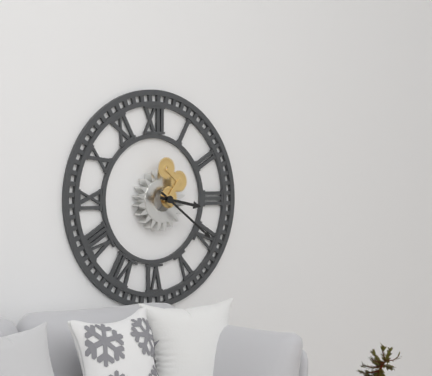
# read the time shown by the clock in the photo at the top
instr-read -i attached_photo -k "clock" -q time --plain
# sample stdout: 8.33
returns 3.21
